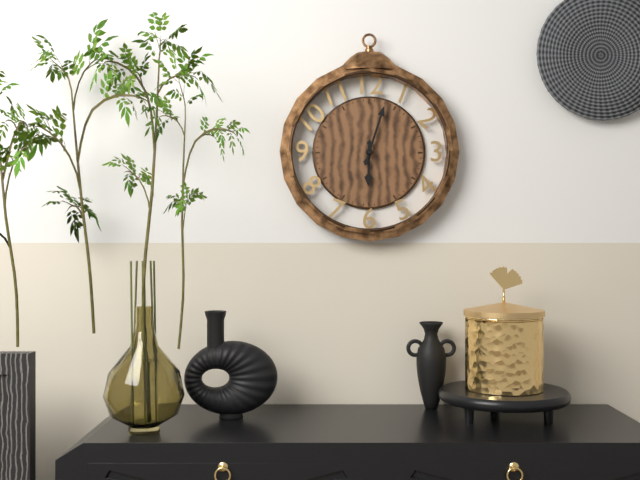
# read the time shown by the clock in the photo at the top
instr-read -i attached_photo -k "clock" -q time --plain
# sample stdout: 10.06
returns 6.03
